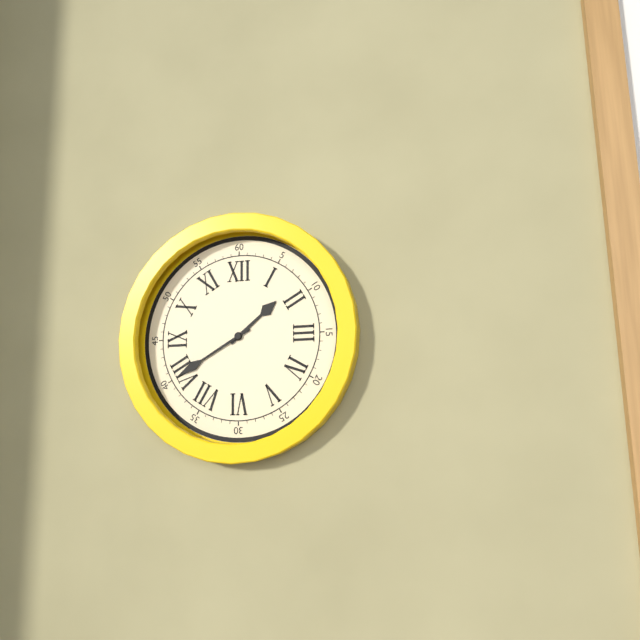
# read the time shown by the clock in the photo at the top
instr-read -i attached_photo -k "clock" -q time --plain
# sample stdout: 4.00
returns 1.40
